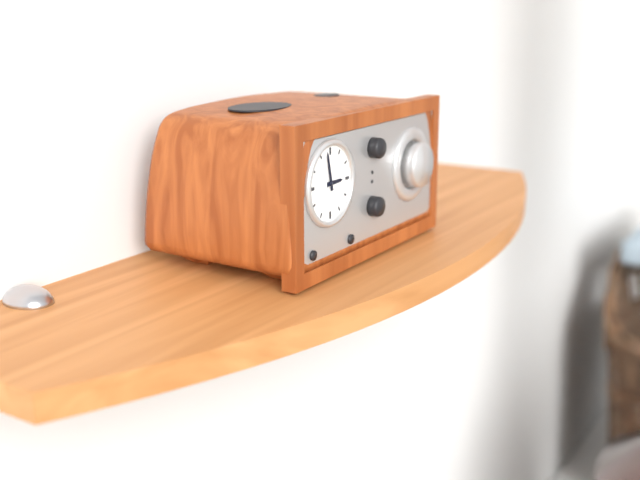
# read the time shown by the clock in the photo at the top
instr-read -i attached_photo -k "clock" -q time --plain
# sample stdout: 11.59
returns 2.58
